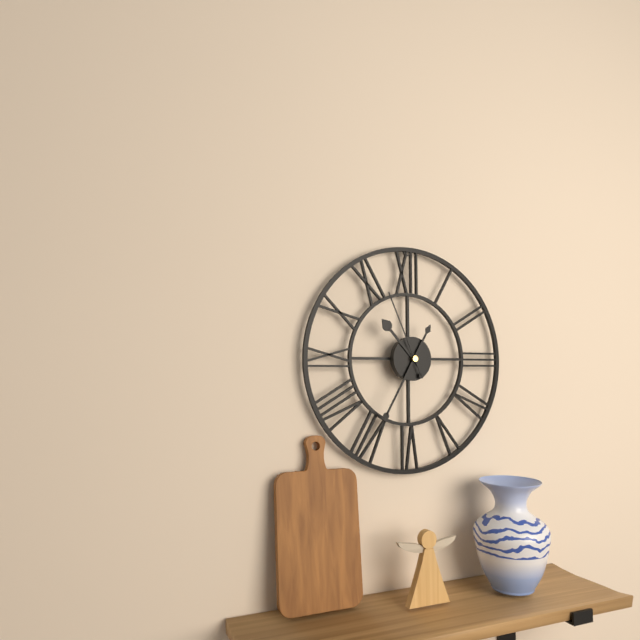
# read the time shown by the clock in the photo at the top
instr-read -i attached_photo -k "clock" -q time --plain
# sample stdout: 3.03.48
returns 10.35.56
